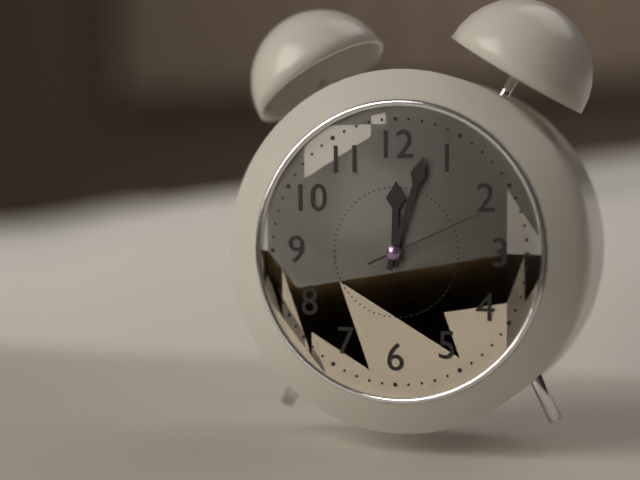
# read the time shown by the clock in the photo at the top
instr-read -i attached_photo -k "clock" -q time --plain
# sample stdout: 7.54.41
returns 12.03.11
